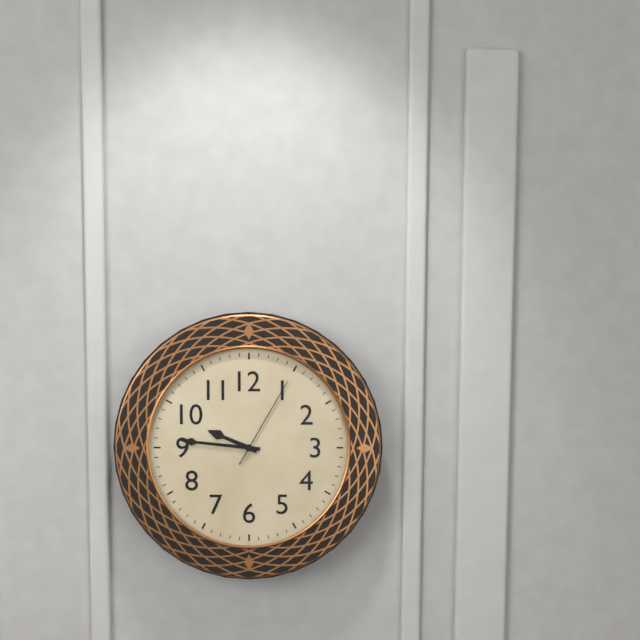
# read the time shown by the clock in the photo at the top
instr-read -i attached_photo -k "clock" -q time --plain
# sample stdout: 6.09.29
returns 9.46.05
